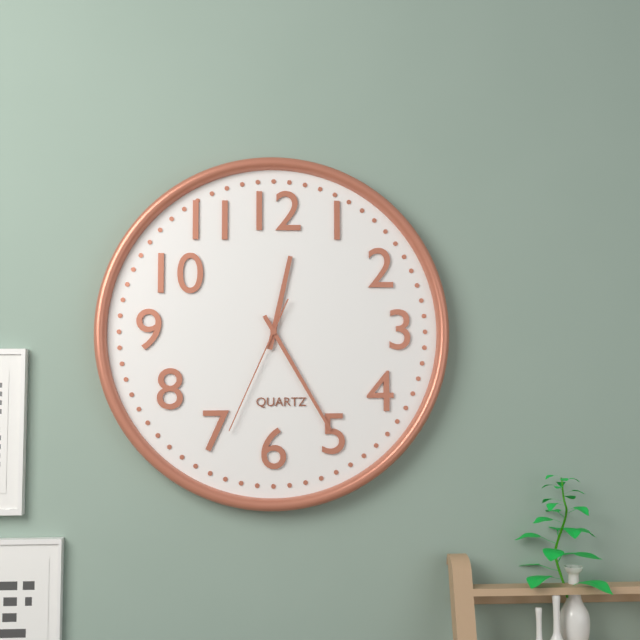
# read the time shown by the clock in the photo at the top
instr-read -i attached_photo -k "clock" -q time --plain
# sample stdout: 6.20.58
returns 12.25.34
